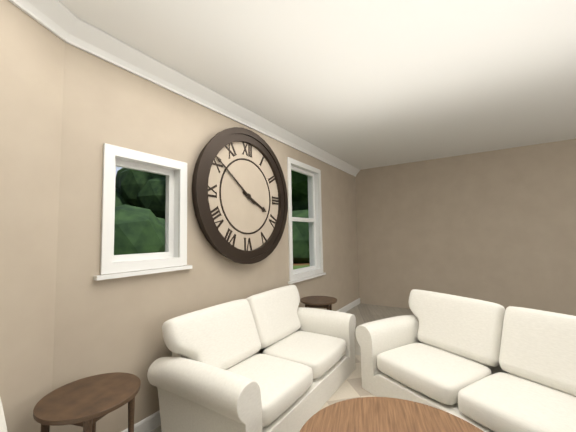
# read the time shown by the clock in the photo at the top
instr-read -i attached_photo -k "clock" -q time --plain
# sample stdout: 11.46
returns 3.51
